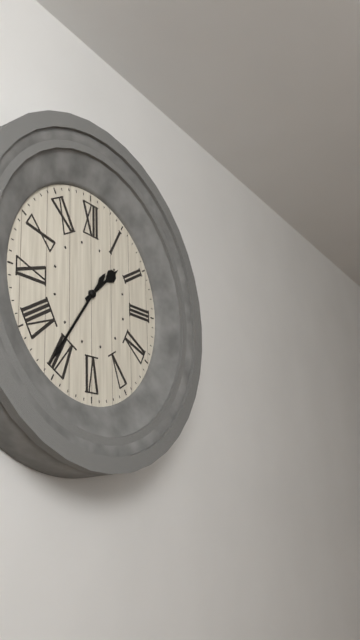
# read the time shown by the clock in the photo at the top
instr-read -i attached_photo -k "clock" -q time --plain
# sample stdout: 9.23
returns 1.36
